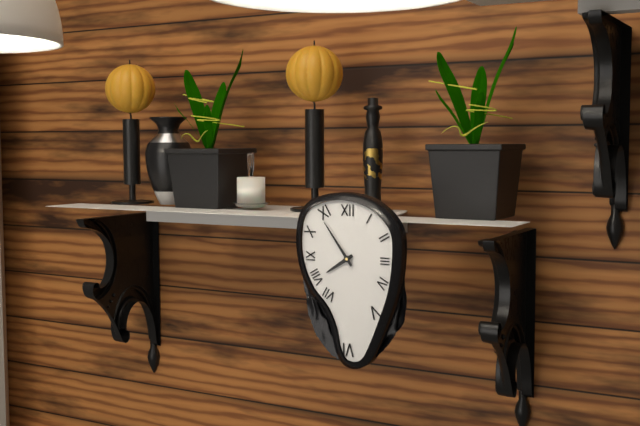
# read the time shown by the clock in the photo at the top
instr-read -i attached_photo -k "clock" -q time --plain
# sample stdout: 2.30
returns 7.54
